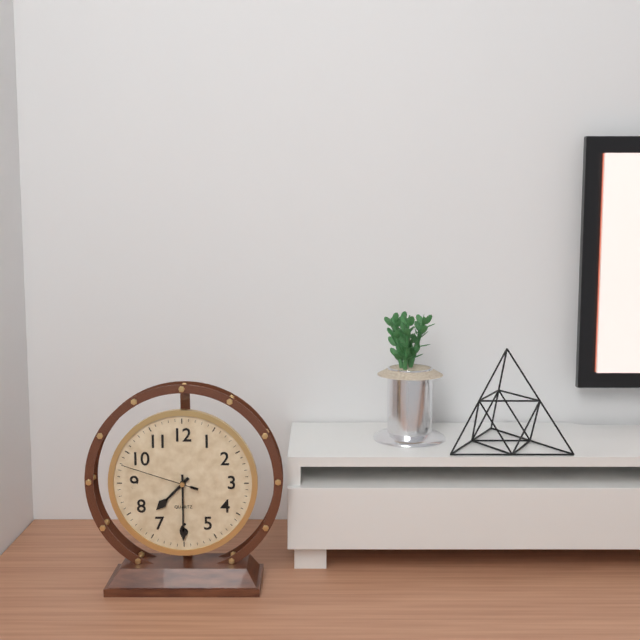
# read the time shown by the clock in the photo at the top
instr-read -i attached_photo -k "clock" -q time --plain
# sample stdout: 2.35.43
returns 7.30.48
